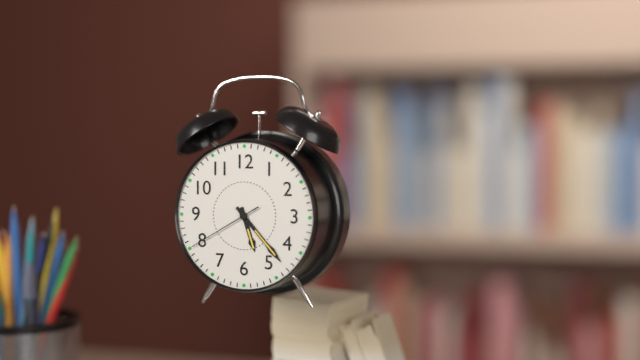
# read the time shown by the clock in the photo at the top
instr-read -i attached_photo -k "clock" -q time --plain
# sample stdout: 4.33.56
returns 5.23.40
